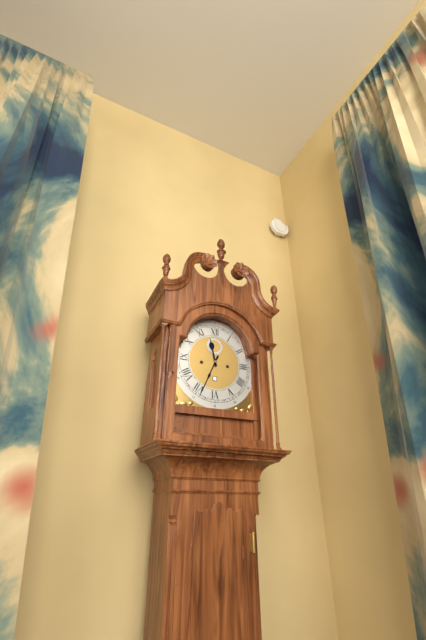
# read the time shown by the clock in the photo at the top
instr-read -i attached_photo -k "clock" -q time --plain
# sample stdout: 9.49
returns 11.34
